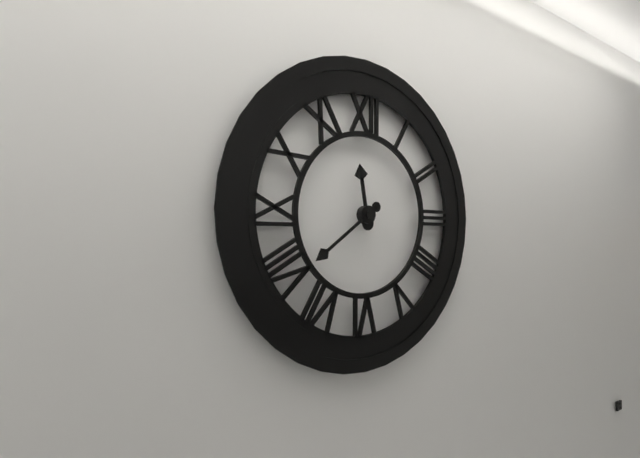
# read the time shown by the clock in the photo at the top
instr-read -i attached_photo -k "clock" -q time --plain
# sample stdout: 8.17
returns 11.39
